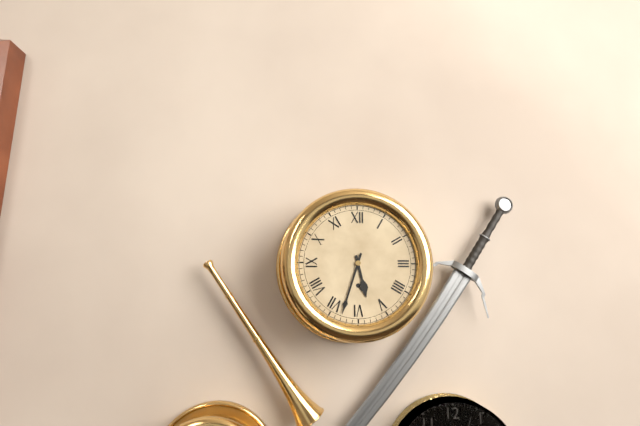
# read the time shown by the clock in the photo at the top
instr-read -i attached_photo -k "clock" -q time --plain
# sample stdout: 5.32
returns 5.33
